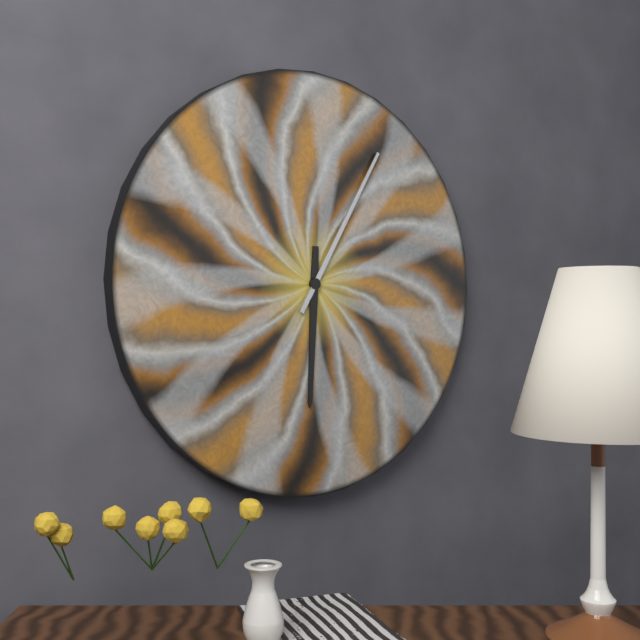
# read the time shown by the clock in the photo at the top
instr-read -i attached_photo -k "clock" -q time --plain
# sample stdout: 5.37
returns 6.05
